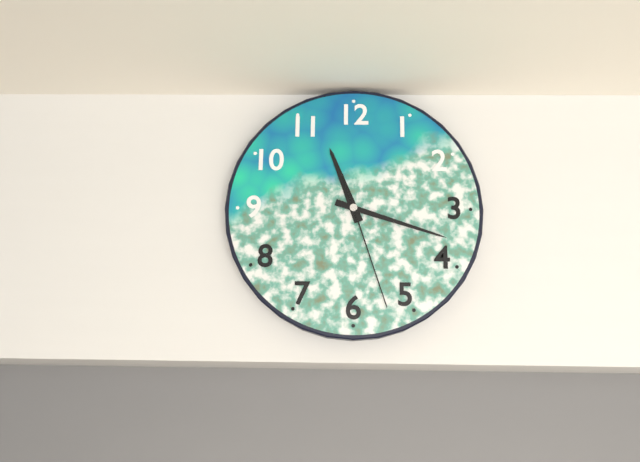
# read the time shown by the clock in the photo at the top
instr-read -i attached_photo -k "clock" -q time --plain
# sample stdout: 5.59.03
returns 11.18.27
